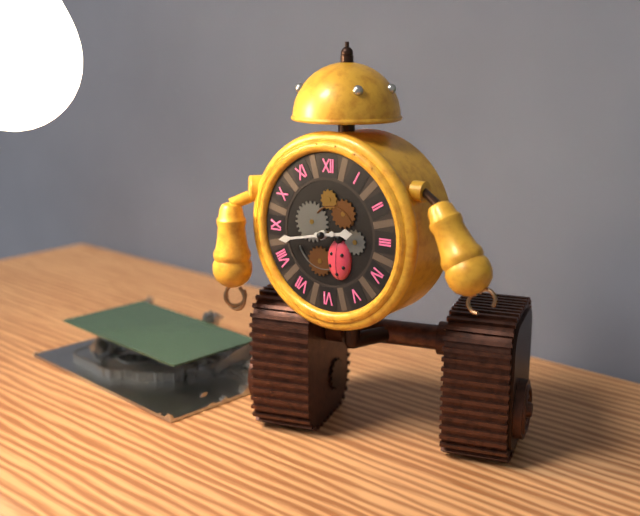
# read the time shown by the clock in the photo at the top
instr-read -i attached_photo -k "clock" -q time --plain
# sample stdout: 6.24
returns 2.43
